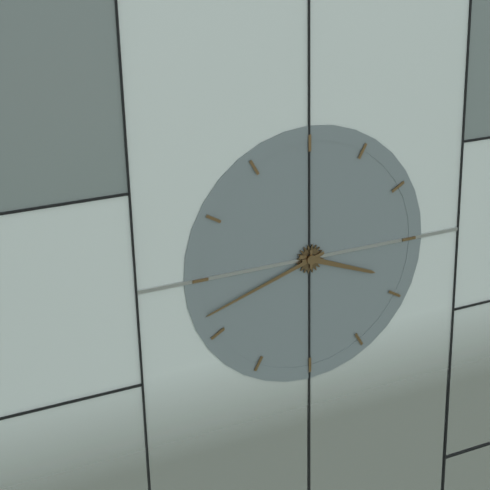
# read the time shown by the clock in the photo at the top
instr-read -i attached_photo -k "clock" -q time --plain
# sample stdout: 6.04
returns 3.42
